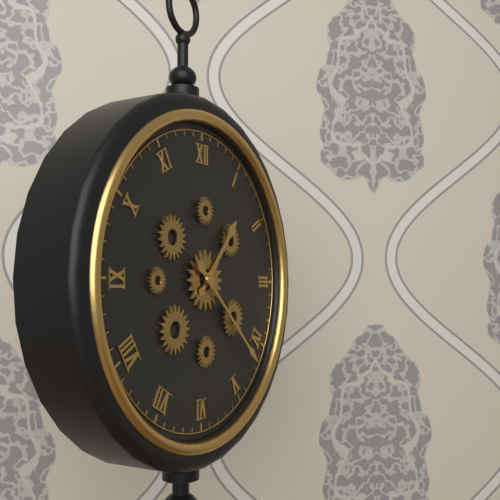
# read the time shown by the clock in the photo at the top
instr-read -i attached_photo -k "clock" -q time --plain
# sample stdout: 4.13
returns 1.22
